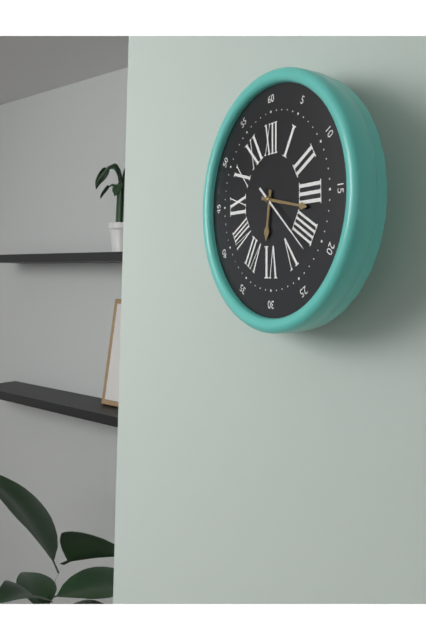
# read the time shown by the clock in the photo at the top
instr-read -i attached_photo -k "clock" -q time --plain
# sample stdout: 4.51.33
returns 6.17.22
